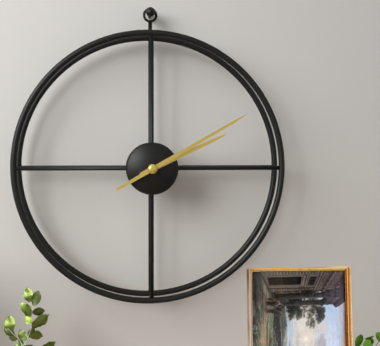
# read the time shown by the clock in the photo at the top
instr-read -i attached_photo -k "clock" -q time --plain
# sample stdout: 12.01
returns 2.10
